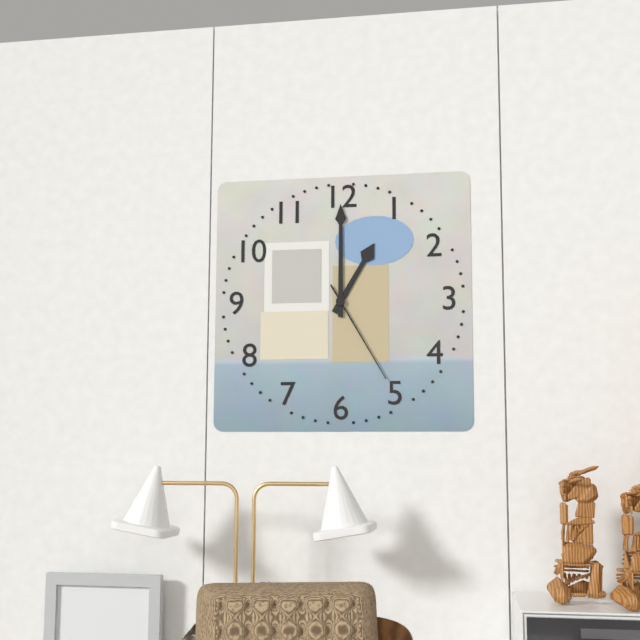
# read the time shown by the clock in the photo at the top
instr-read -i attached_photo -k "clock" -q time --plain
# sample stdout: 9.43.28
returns 1.00.25
